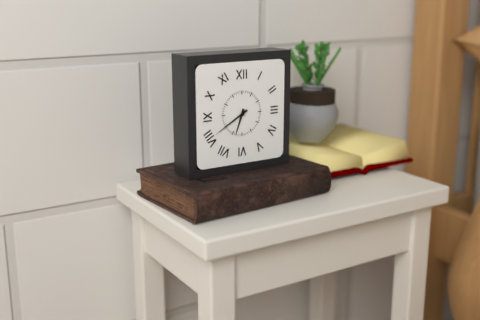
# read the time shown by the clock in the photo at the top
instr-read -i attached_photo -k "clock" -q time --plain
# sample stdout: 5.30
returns 6.40
